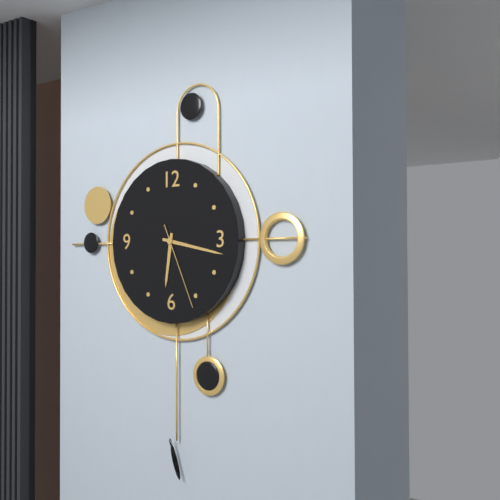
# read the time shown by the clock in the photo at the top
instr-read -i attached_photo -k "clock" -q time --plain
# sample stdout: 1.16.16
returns 6.17.26
